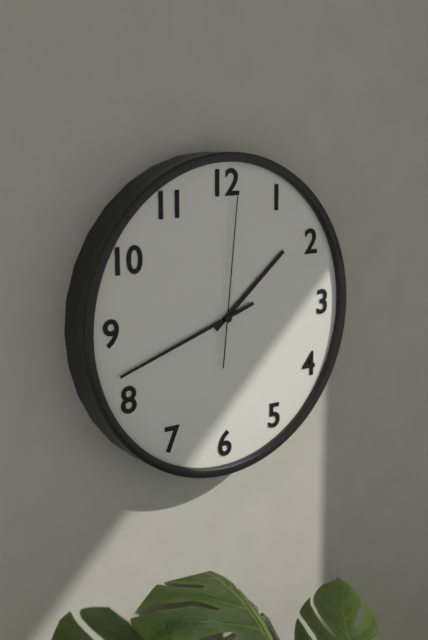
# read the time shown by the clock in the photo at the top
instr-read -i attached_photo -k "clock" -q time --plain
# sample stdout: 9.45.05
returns 1.42.01
